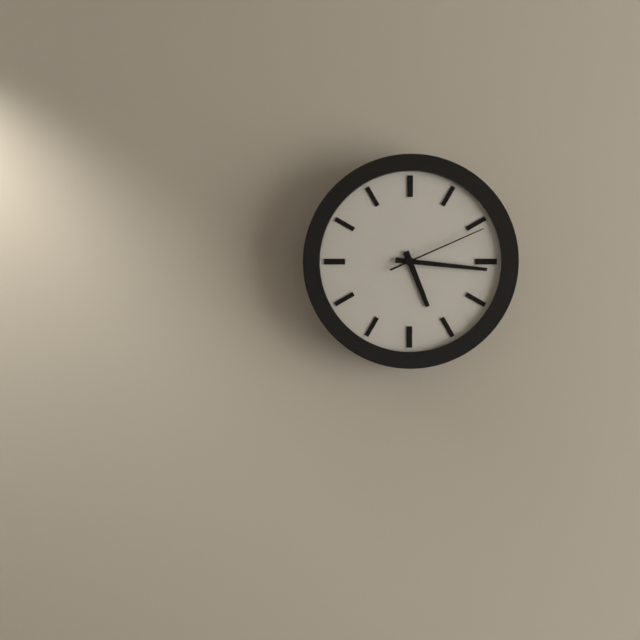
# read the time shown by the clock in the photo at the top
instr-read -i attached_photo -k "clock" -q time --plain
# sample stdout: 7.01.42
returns 5.16.11
